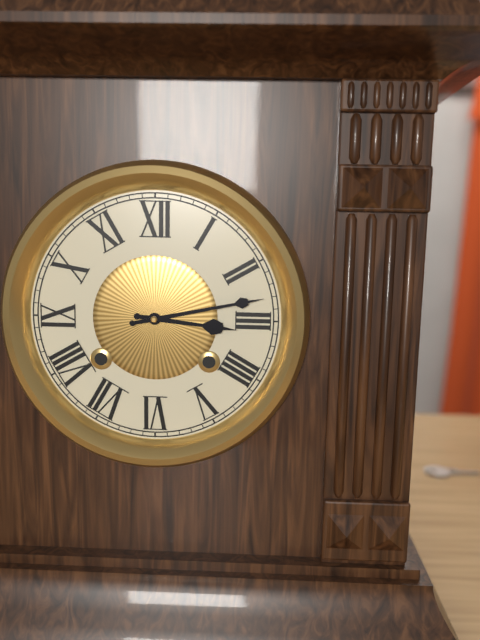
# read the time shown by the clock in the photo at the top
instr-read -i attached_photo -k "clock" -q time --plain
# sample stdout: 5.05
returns 3.13
